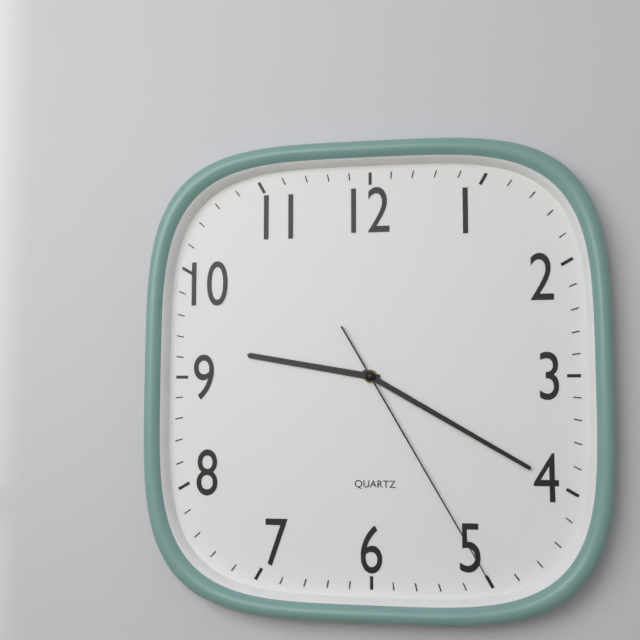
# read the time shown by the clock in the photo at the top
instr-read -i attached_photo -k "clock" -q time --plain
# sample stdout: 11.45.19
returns 9.20.25
